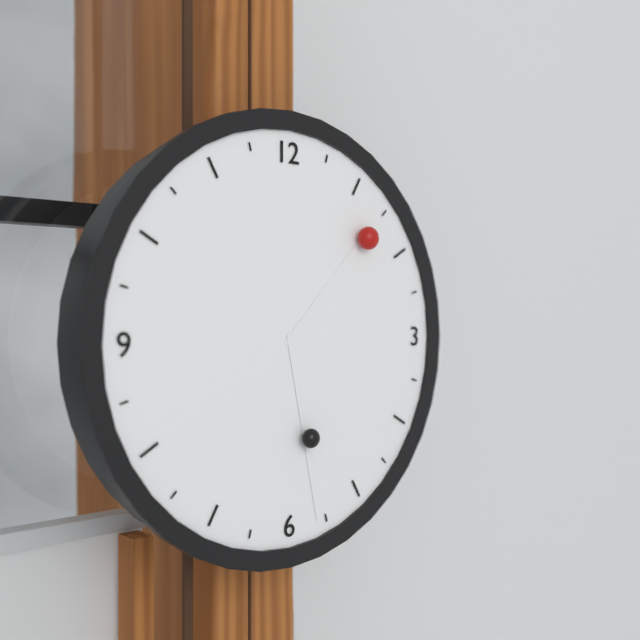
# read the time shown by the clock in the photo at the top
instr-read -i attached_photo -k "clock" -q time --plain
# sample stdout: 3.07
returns 1.28
